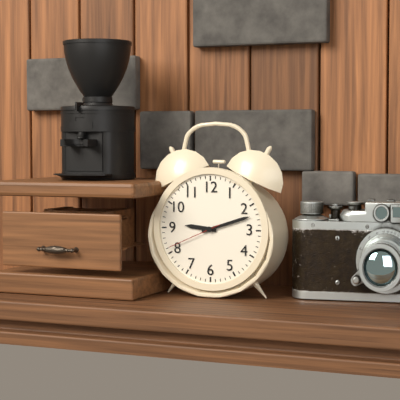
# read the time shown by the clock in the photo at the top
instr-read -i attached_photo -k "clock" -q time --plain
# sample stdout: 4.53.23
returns 9.12.41
